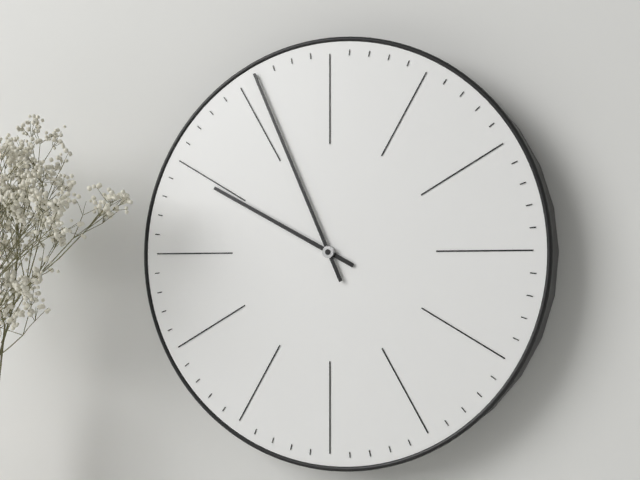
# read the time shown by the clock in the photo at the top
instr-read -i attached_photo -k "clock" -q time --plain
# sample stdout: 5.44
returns 9.56
